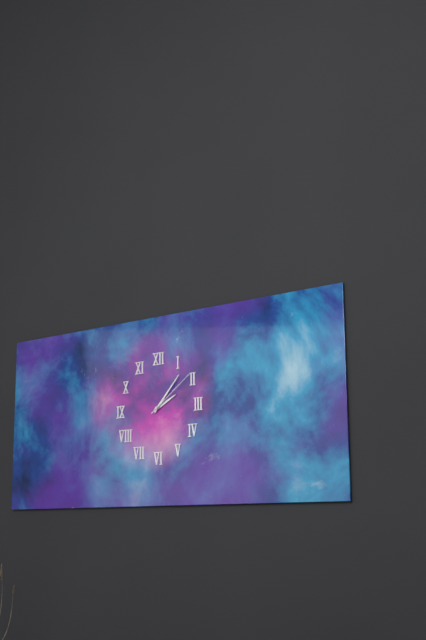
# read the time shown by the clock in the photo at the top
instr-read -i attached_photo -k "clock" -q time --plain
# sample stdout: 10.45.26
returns 2.07.09
